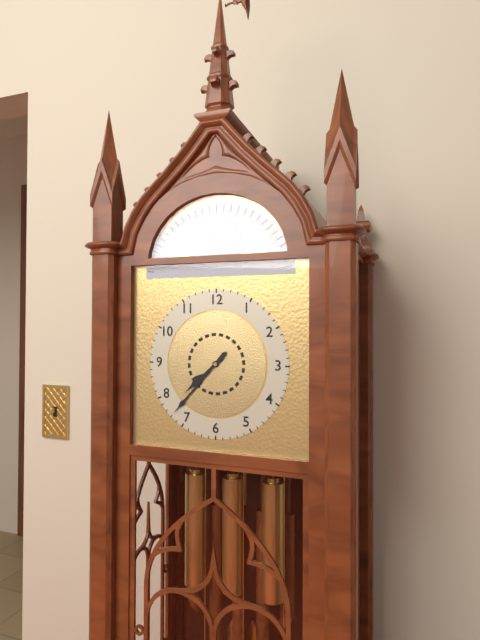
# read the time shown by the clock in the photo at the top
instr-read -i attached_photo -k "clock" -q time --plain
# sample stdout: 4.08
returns 7.37
